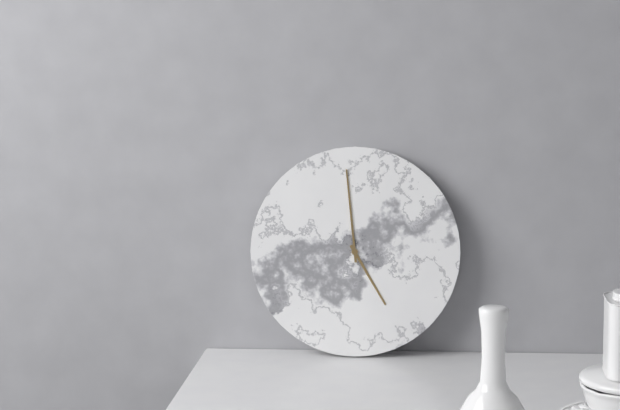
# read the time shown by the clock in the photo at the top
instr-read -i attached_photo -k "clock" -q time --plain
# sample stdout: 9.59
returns 4.59
